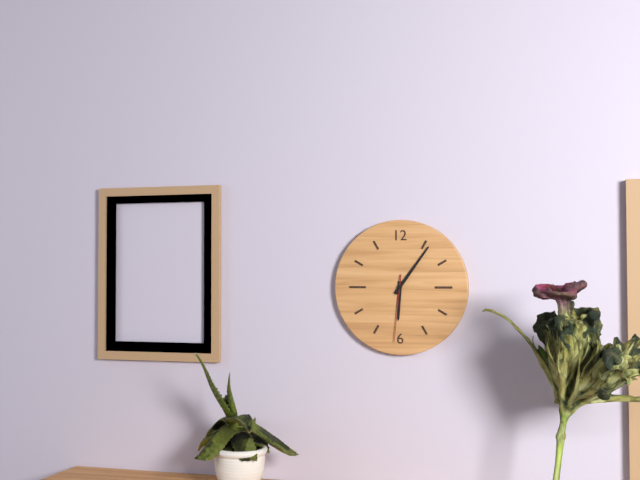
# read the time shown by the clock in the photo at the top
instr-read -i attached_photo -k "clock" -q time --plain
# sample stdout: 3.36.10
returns 6.06.31
